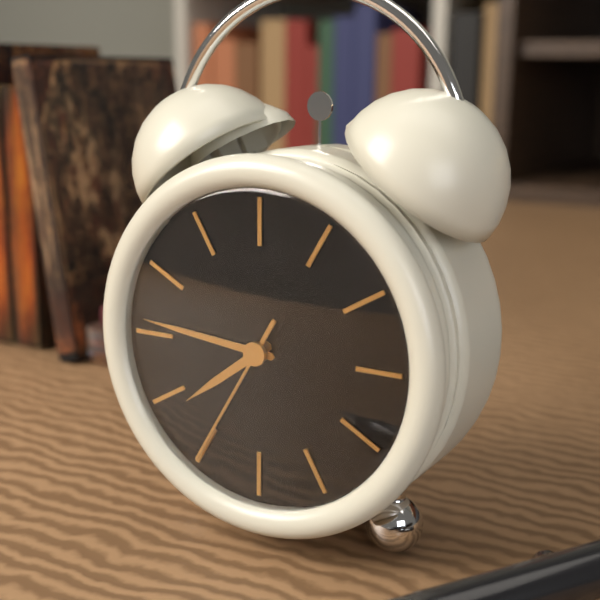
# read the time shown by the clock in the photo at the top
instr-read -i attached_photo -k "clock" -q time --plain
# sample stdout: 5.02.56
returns 7.46.35
